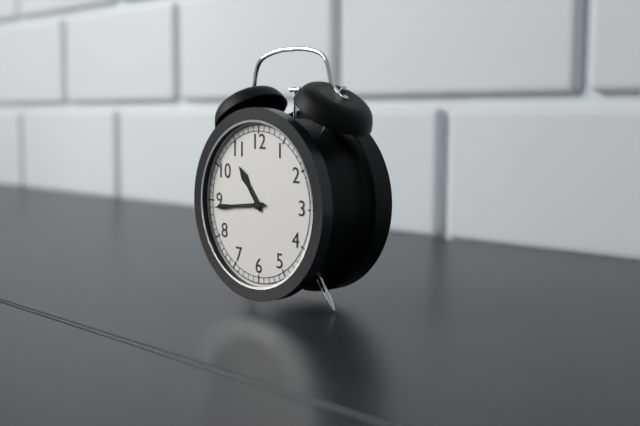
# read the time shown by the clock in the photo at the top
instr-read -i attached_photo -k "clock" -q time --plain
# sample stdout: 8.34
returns 10.44
